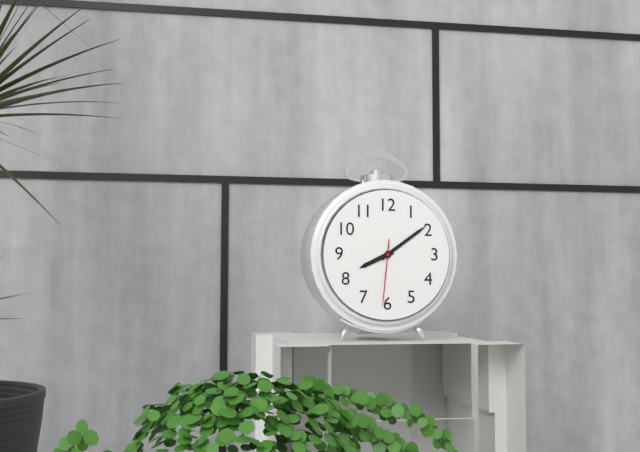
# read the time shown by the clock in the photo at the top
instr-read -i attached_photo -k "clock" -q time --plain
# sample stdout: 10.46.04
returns 8.09.31
